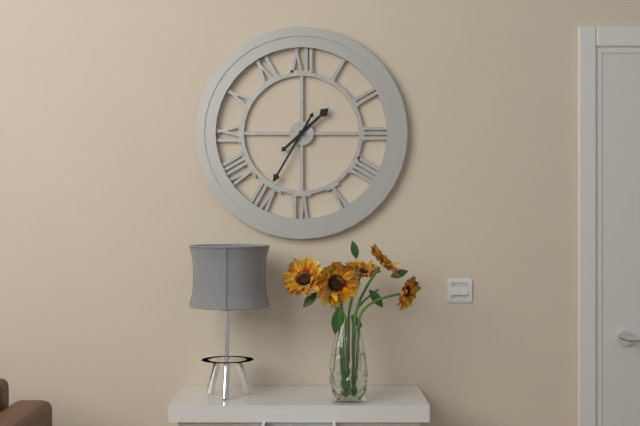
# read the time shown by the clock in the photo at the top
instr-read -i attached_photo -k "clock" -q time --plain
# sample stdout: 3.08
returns 1.35
